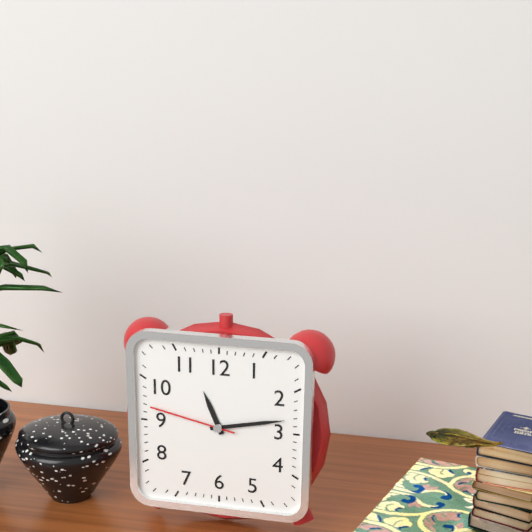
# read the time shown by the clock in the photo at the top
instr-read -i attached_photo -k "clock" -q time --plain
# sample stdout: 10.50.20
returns 11.13.47
